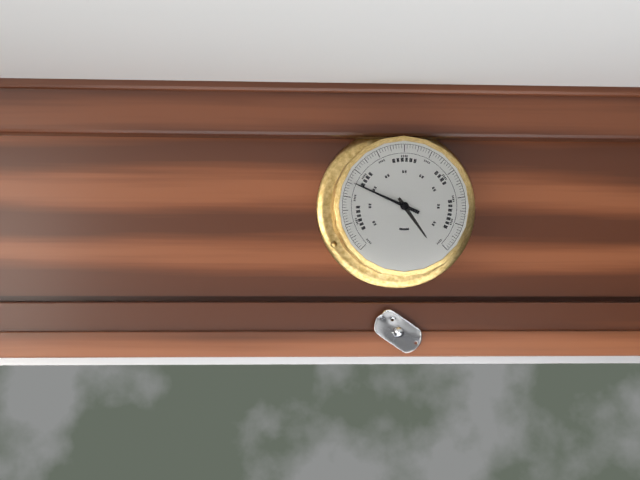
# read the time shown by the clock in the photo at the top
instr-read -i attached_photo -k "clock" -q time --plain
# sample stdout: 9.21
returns 4.49
